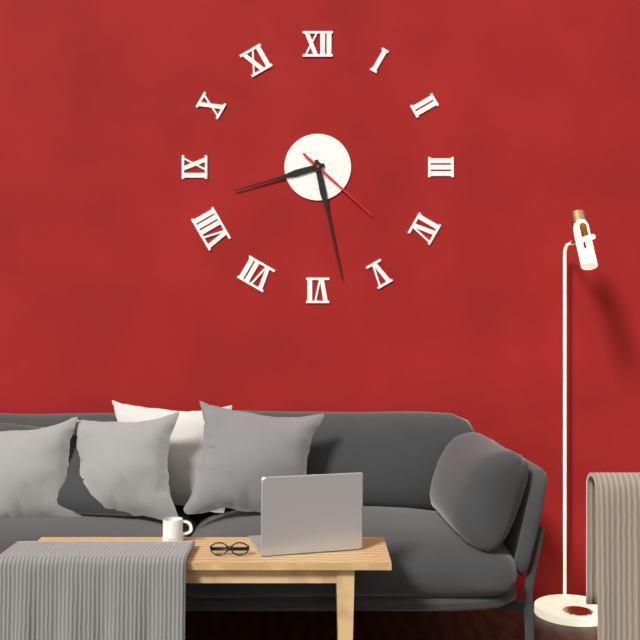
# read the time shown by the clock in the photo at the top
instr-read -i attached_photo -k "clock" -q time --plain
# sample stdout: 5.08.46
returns 8.28.22
